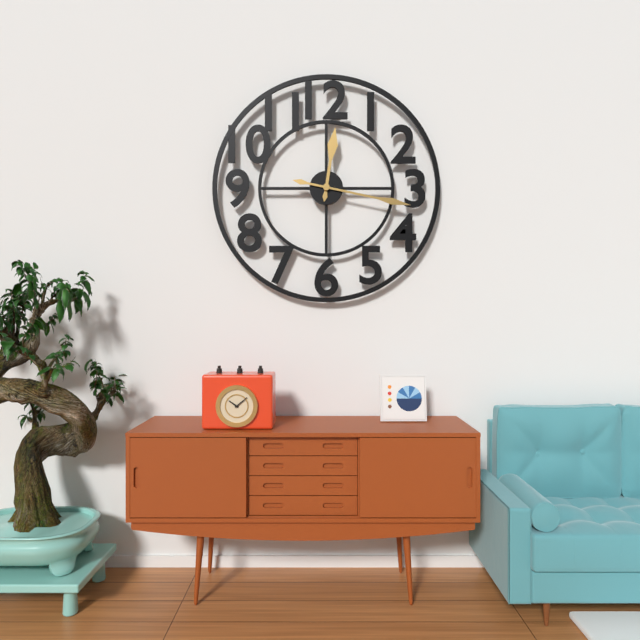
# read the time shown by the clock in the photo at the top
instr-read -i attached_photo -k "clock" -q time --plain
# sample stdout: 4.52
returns 12.17
